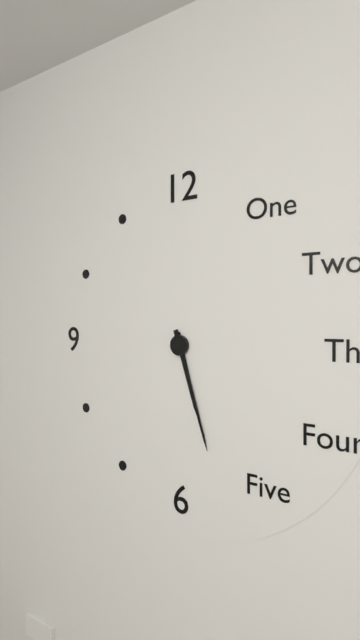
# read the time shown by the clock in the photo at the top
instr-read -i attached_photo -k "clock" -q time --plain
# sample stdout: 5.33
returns 5.27
